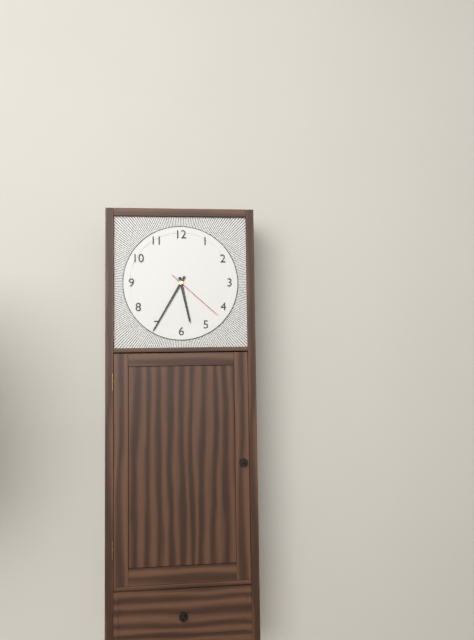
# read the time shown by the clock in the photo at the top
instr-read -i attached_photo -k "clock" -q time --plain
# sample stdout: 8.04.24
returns 5.35.22
